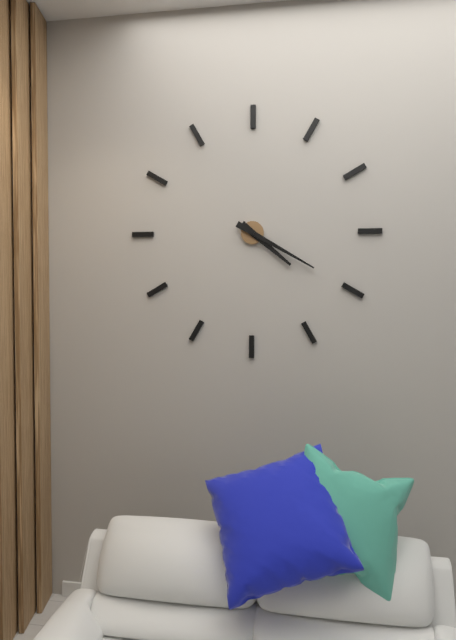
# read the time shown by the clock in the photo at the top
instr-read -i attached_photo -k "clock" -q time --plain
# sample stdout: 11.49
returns 4.20
